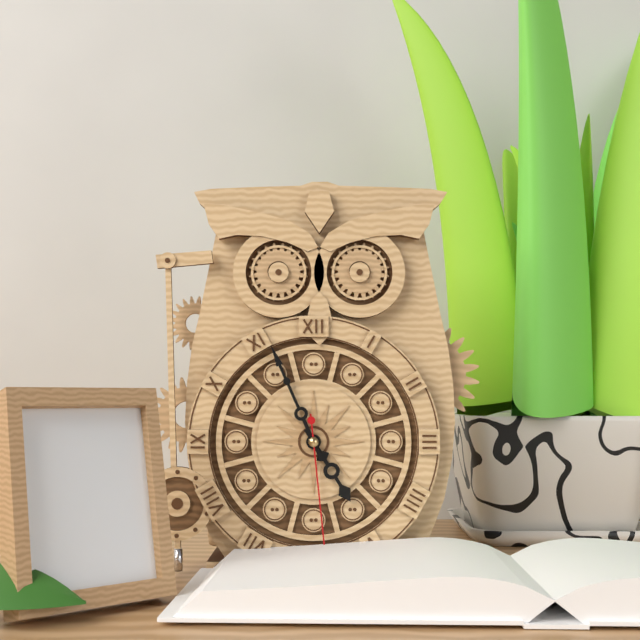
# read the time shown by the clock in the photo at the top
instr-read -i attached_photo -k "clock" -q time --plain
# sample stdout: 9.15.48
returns 4.56.29
